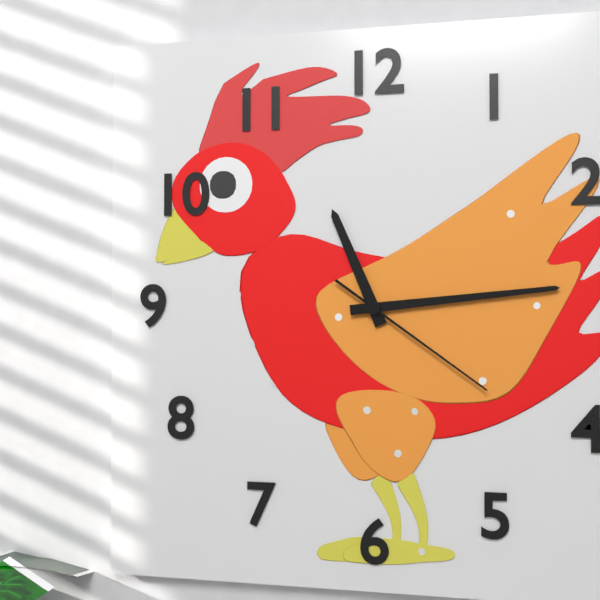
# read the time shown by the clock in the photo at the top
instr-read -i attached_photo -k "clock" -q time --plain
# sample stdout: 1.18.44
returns 11.14.21
